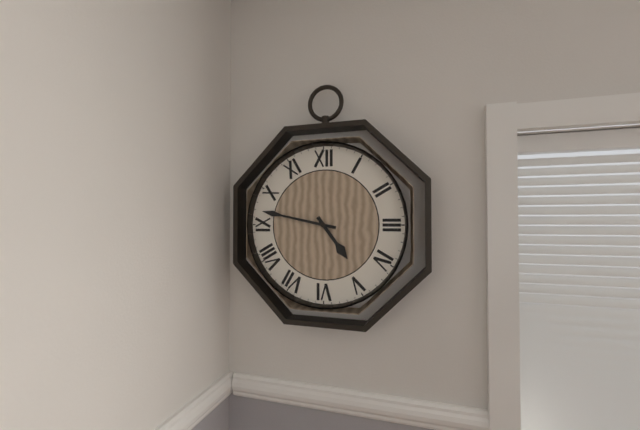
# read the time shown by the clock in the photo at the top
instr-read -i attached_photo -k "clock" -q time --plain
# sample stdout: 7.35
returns 4.47
